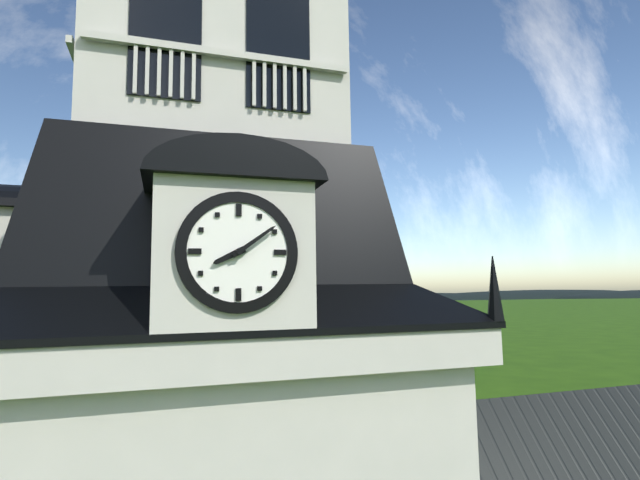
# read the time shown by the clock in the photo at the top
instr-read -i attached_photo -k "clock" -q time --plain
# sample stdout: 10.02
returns 8.09
